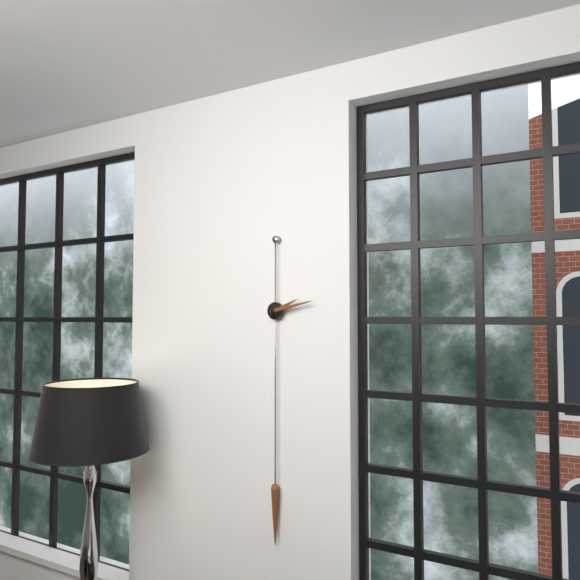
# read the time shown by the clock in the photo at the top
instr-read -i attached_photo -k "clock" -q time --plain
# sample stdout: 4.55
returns 2.13
